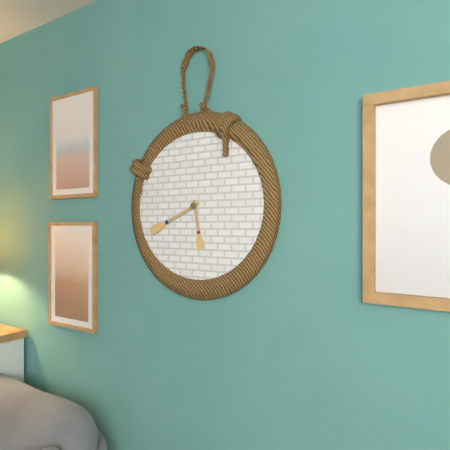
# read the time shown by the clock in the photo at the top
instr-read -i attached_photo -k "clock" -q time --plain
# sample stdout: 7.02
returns 5.41
